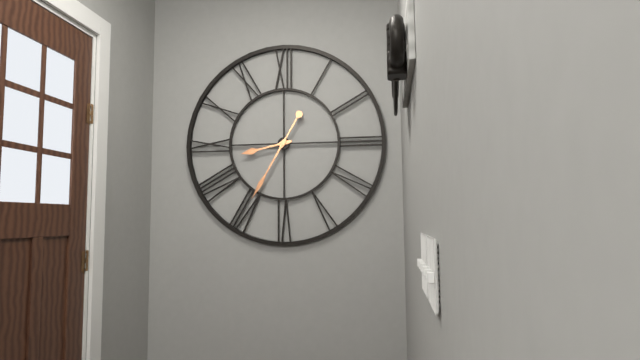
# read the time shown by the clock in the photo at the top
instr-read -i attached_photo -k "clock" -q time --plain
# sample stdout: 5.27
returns 8.35
